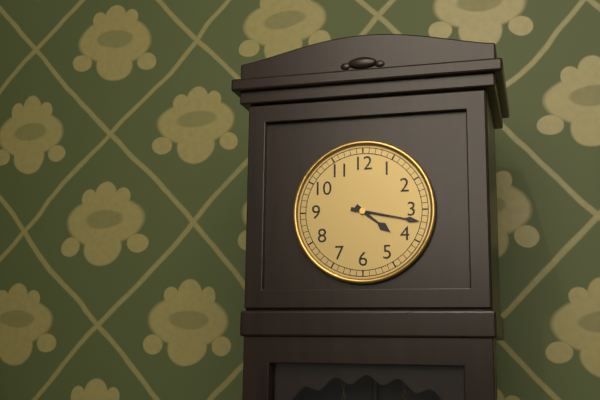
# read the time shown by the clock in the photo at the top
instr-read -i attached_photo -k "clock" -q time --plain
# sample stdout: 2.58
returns 4.17
